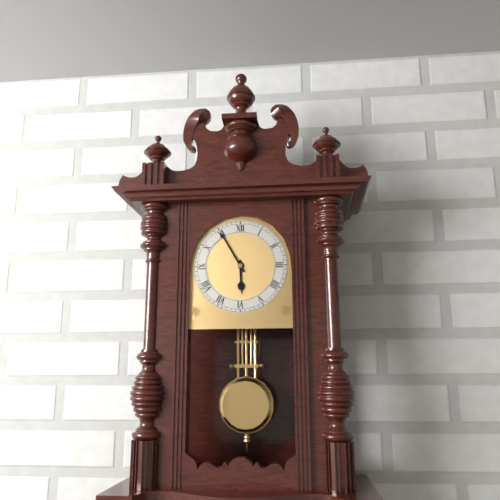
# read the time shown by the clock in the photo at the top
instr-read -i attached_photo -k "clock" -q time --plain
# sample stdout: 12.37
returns 5.55
